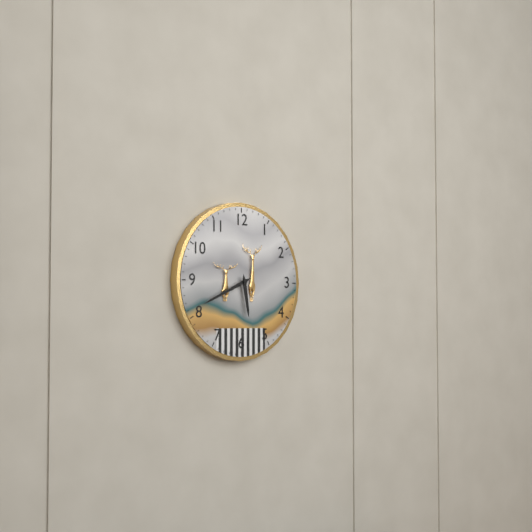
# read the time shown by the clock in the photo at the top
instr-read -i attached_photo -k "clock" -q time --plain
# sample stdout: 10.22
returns 5.41
